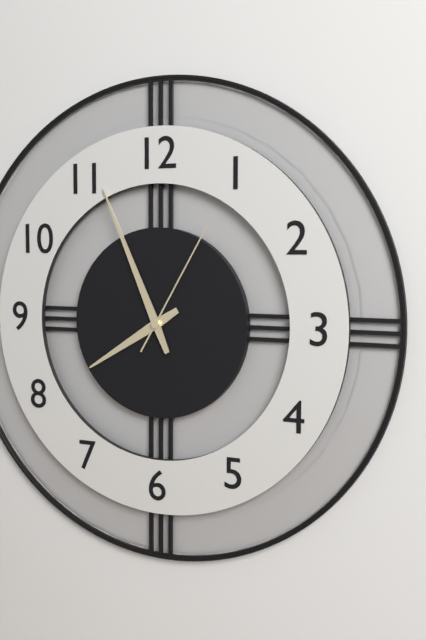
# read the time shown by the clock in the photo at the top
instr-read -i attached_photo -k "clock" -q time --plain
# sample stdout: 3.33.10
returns 7.56.05
